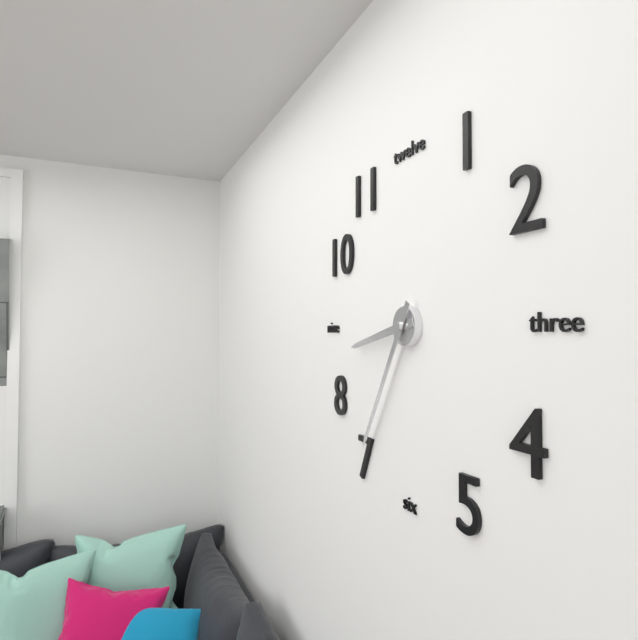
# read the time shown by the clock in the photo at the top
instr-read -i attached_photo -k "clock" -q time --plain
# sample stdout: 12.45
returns 8.35
